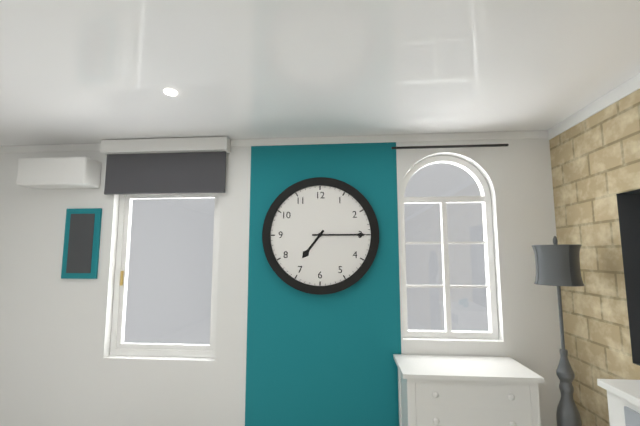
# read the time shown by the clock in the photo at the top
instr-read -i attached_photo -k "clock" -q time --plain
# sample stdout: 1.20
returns 7.15
